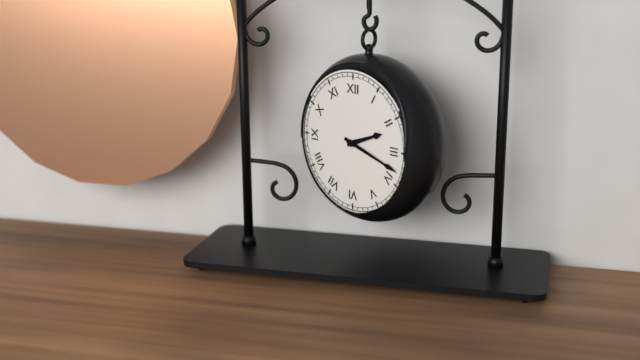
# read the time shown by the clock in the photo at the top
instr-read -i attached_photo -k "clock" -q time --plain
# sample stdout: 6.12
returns 2.18
